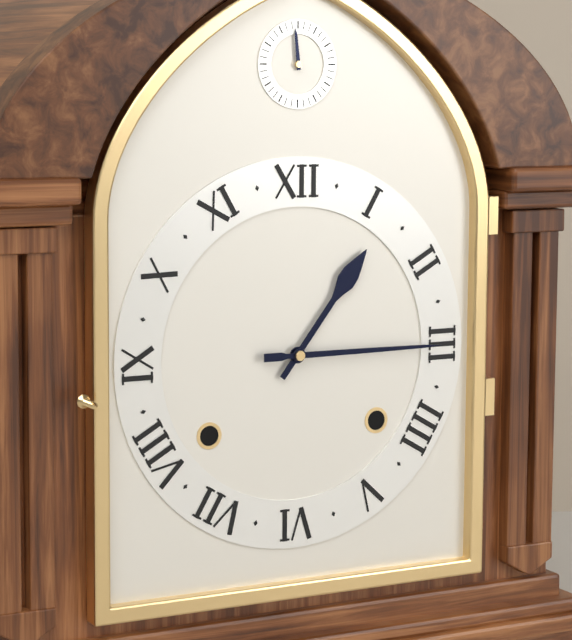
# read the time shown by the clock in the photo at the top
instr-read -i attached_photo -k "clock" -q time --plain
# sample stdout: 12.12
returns 1.15
